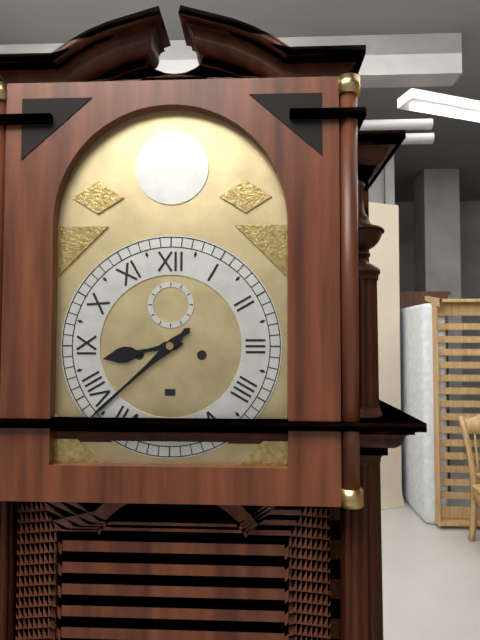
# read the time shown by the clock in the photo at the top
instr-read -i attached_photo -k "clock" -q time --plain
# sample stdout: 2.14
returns 8.38
